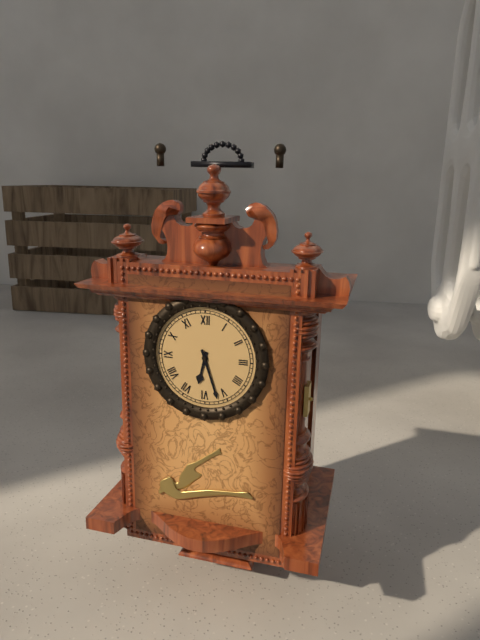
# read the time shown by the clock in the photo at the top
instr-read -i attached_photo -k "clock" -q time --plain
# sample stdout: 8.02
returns 6.27
